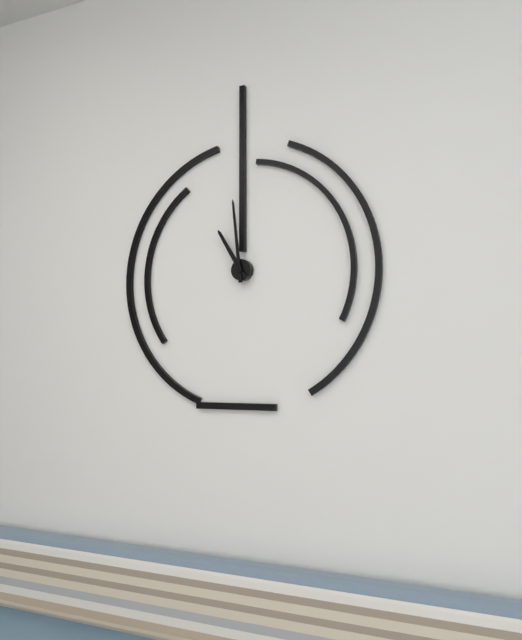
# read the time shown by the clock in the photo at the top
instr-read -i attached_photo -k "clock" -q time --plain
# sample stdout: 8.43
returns 10.59
